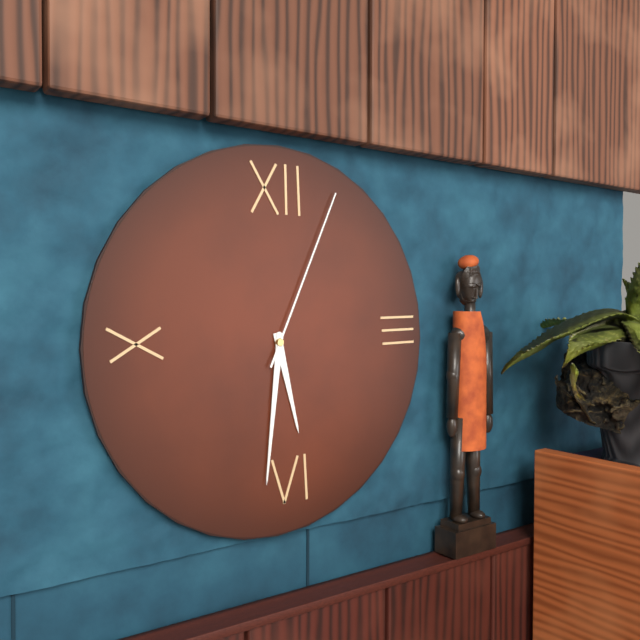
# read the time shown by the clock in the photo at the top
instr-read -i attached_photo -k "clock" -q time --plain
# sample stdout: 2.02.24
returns 5.31.04
